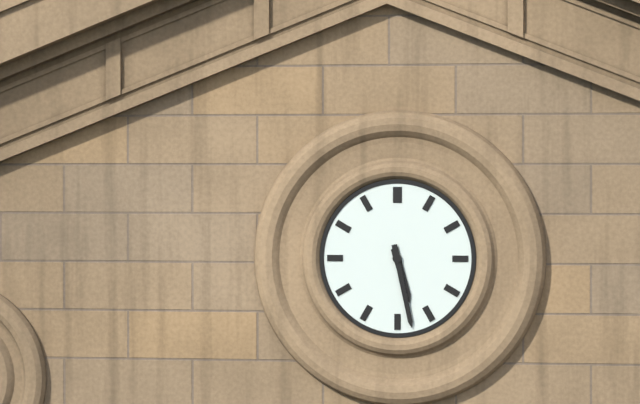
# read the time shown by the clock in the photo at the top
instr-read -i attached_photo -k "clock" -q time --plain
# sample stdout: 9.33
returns 5.28
